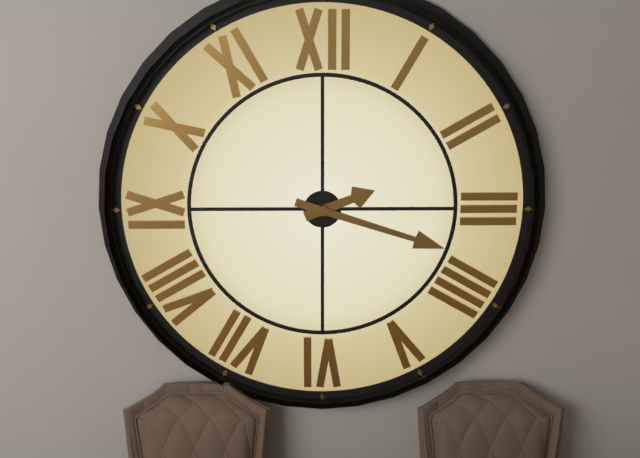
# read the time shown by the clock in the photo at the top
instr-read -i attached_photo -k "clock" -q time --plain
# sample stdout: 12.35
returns 2.18
